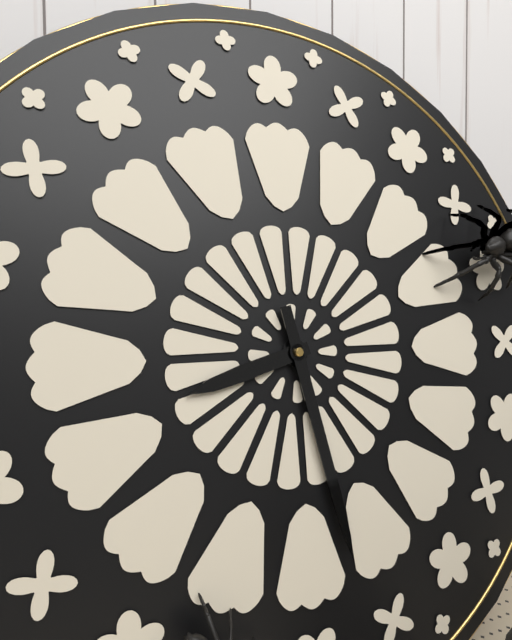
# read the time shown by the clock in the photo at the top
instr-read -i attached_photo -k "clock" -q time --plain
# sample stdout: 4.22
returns 8.28
